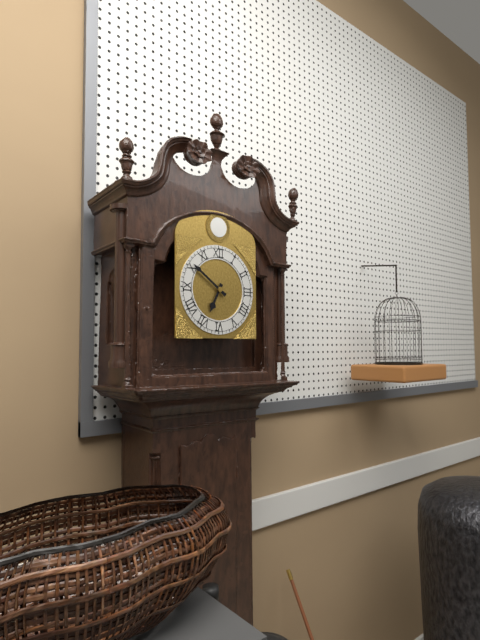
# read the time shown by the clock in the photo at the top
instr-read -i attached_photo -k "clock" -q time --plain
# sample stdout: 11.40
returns 6.51
